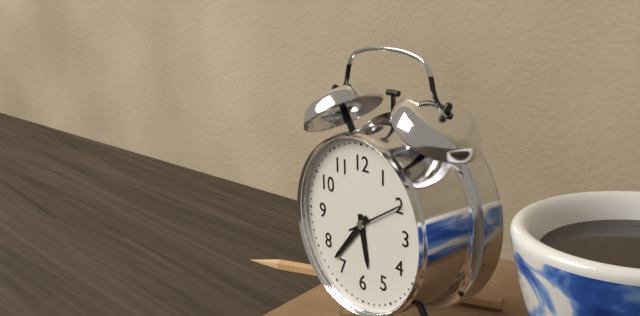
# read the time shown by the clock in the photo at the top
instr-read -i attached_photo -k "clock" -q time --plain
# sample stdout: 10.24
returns 5.37
